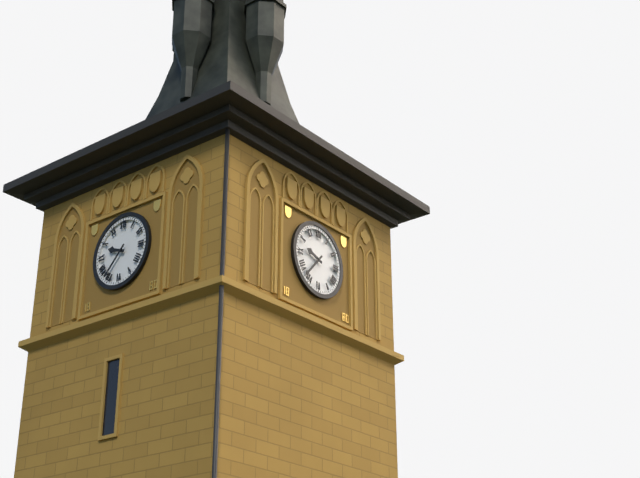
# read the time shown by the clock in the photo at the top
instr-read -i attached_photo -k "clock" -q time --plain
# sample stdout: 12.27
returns 9.37
